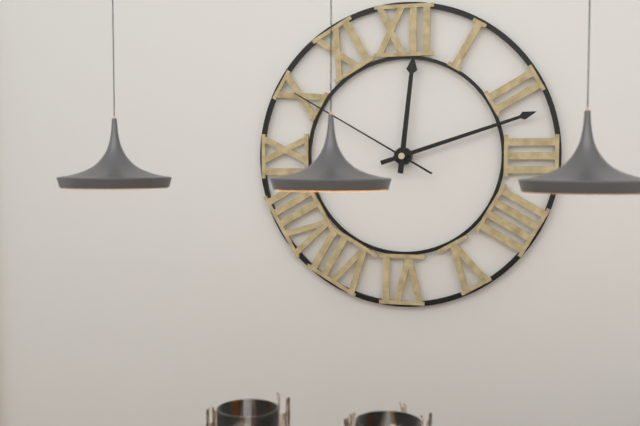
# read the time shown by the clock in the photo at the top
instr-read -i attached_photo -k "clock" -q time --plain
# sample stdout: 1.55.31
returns 12.12.50
